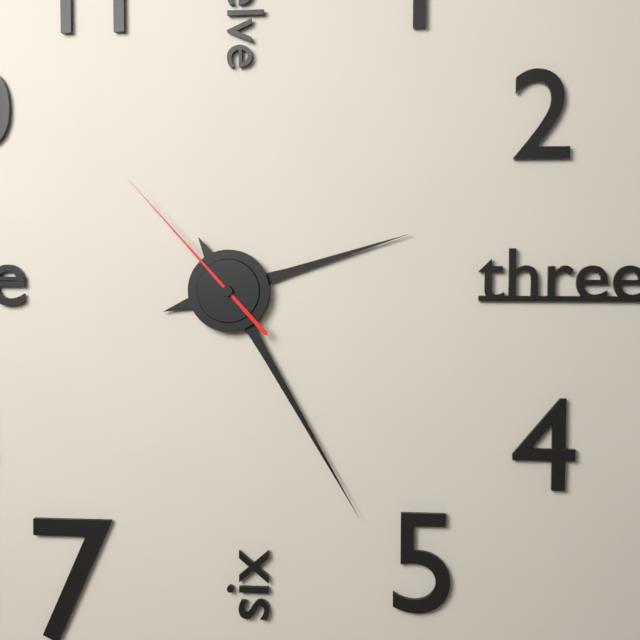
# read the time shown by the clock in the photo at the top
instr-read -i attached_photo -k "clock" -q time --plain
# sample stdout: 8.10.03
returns 2.25.53
